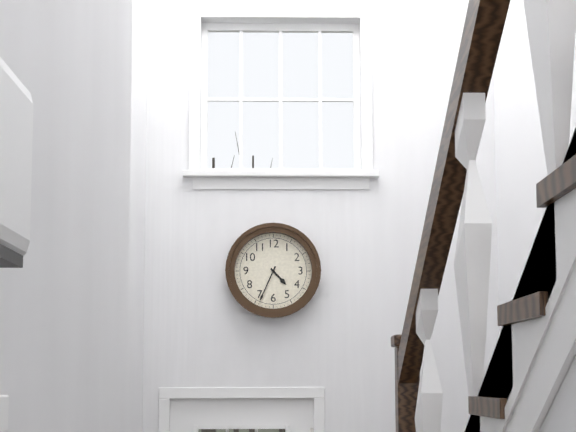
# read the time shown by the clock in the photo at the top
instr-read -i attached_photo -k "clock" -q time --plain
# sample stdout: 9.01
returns 4.34
